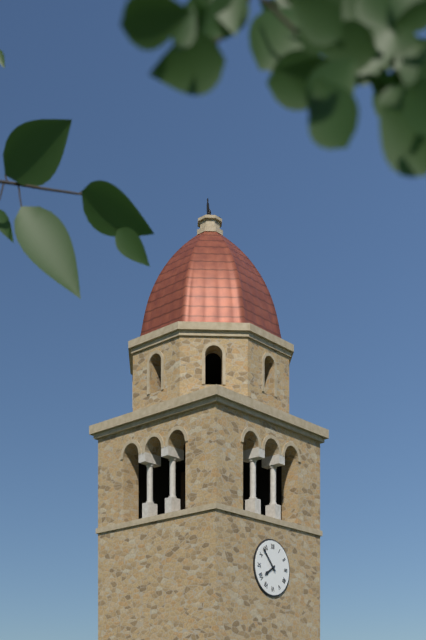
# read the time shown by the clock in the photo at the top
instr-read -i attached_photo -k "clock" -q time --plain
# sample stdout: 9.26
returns 7.53
